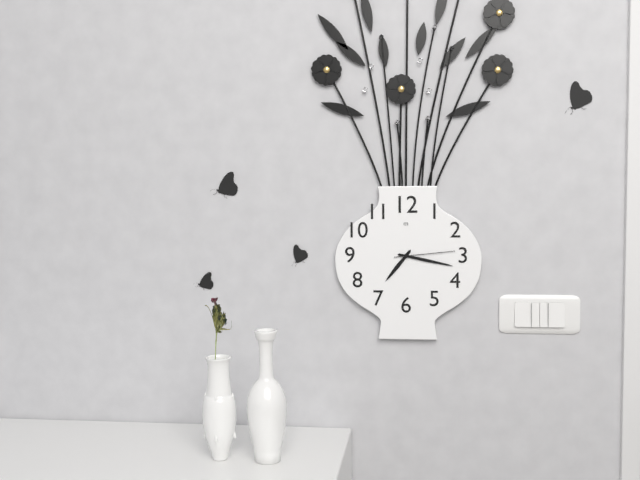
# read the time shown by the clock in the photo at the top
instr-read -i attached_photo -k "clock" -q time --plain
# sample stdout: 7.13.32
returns 7.17.14
